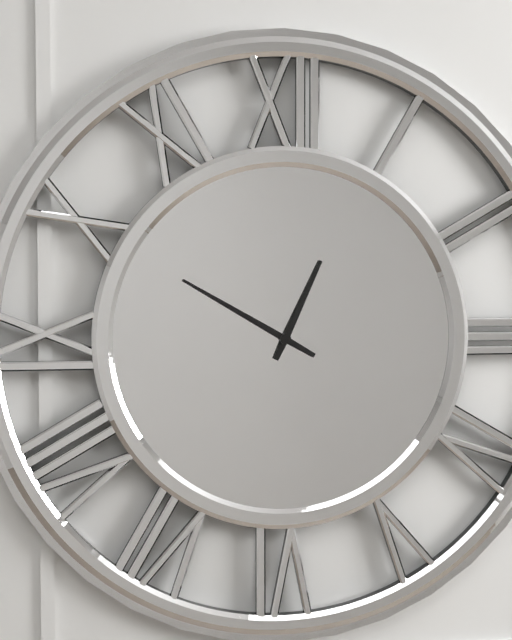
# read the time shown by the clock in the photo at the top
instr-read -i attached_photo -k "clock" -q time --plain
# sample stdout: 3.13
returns 12.50
